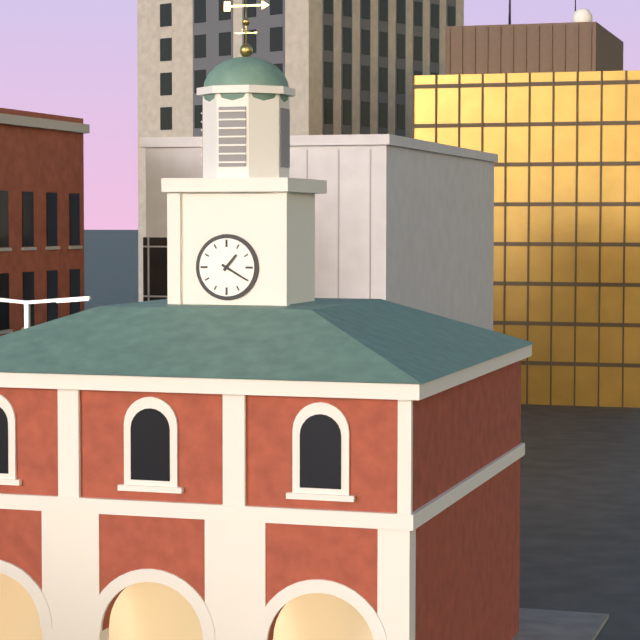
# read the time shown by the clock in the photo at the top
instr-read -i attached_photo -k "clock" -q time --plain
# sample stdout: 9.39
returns 1.20
